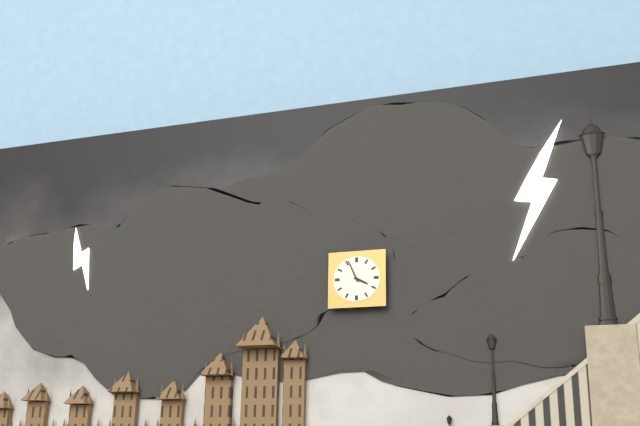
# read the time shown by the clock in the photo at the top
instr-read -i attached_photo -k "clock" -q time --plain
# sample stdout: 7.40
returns 3.56
